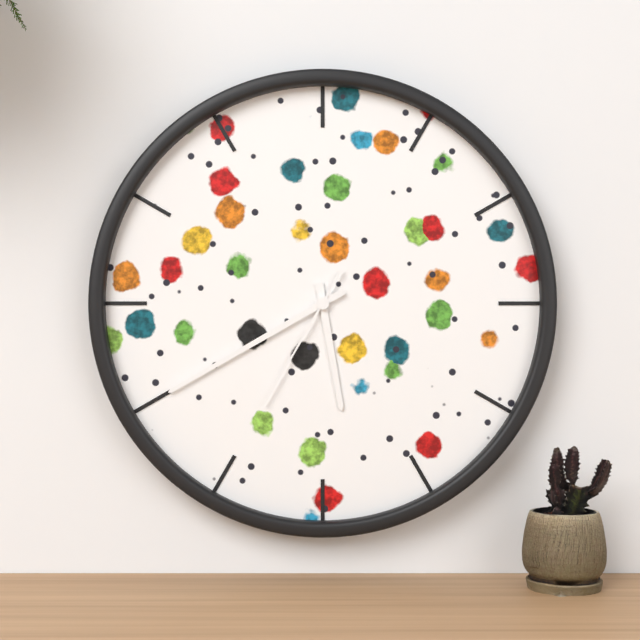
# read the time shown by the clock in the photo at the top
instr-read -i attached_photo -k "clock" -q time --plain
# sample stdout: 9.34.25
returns 5.40.35
